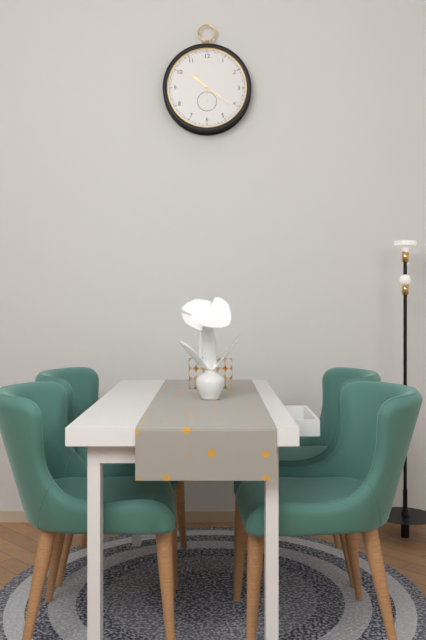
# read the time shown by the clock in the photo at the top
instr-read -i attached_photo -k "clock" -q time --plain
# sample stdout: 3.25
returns 10.21
